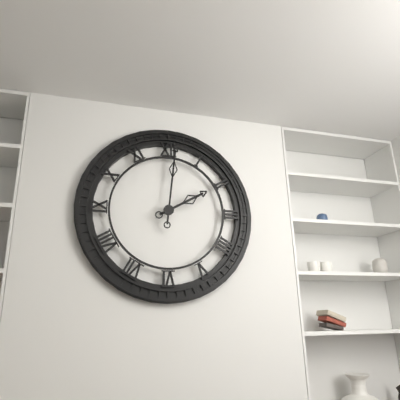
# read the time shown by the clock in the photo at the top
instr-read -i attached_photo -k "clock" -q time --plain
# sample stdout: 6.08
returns 2.01
